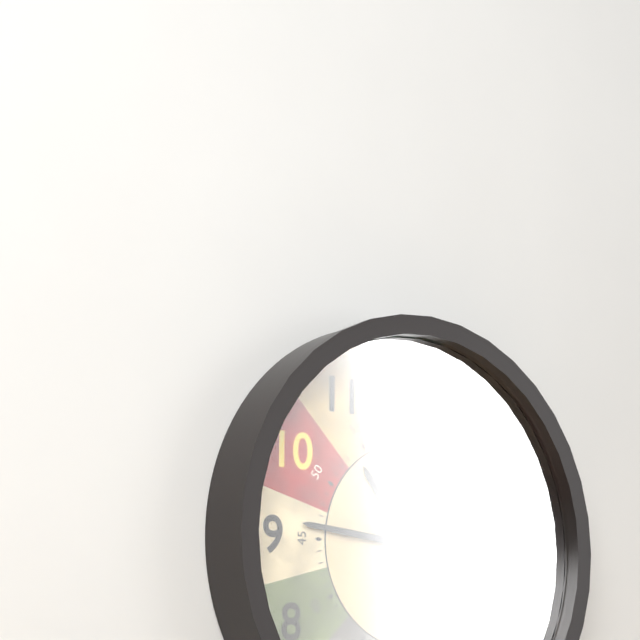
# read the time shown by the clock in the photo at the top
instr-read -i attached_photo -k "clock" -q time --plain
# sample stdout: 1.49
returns 10.46
